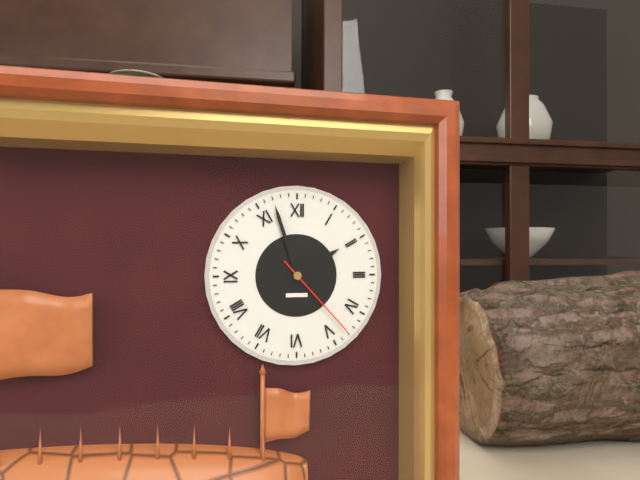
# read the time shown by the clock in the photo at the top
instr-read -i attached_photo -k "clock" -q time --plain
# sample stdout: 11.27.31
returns 1.57.23
